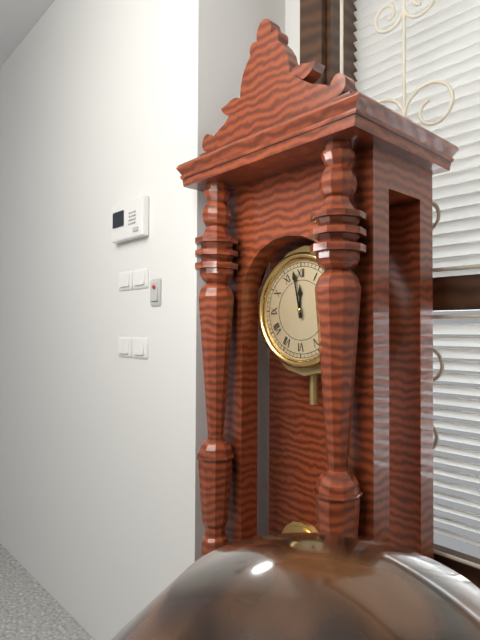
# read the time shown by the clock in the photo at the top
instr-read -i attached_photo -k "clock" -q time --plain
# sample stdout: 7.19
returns 11.58
